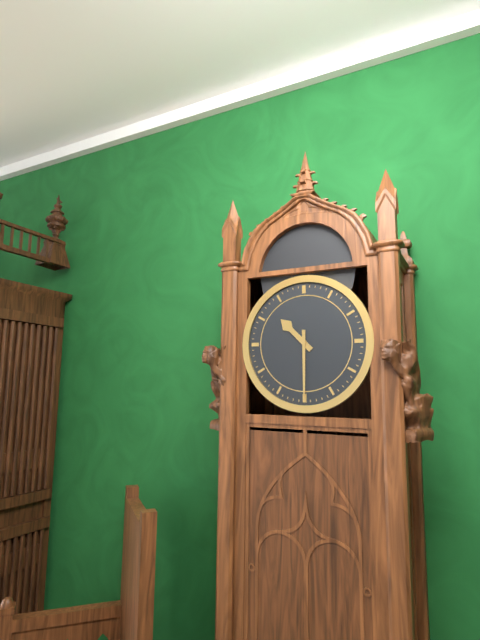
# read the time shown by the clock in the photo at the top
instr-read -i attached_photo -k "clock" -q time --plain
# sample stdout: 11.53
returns 10.30
